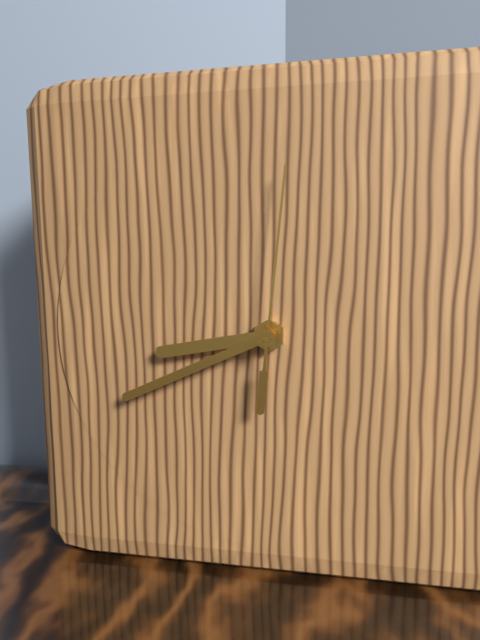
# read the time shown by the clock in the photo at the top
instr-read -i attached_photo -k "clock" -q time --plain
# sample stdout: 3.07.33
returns 8.41.01
